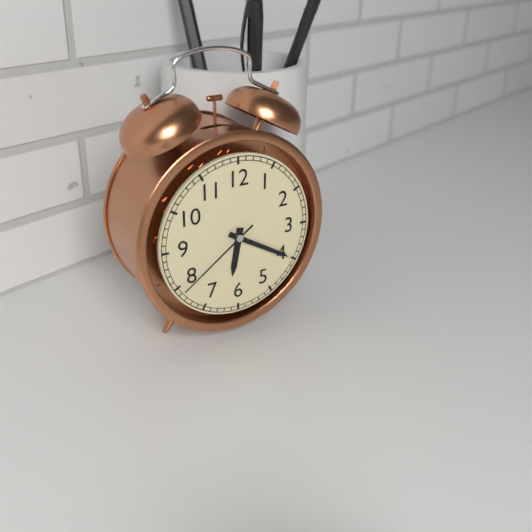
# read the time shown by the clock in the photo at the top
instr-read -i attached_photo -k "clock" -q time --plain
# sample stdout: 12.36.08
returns 6.20.39
